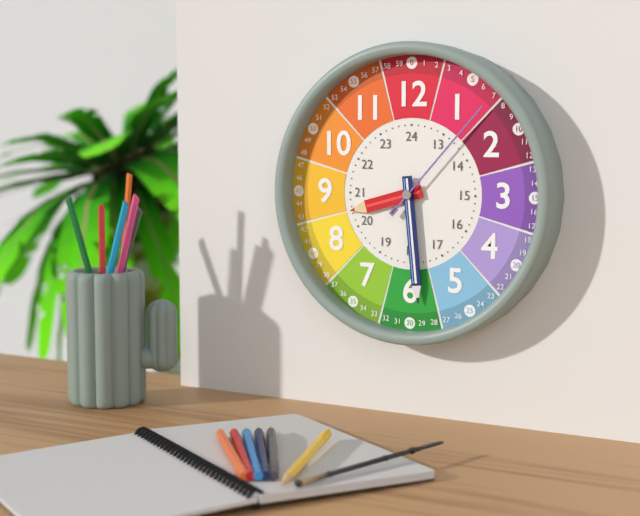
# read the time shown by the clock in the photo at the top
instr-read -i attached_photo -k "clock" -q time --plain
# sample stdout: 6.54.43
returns 8.29.07
